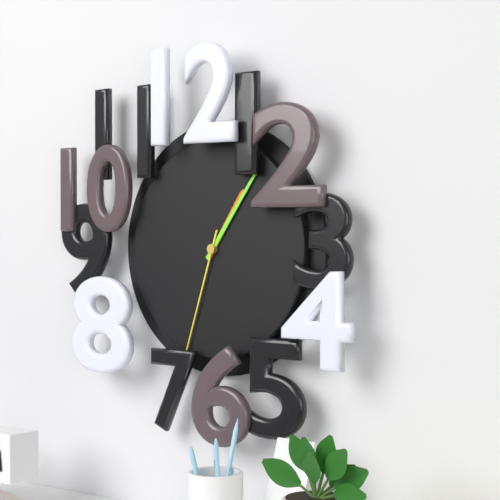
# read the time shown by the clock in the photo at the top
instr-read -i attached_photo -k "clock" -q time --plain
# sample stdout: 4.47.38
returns 1.06.33
